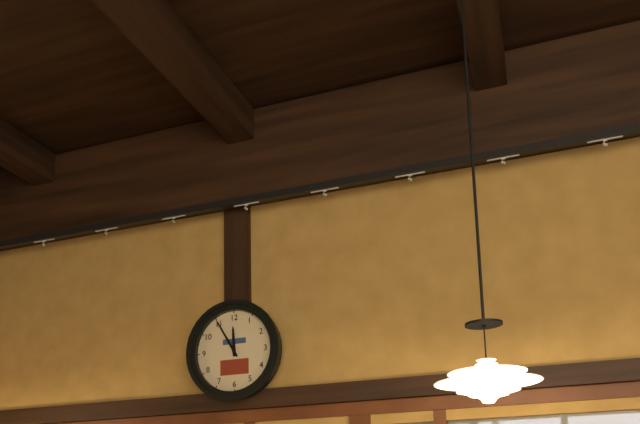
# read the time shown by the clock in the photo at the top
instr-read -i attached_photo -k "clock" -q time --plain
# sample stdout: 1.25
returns 11.55
